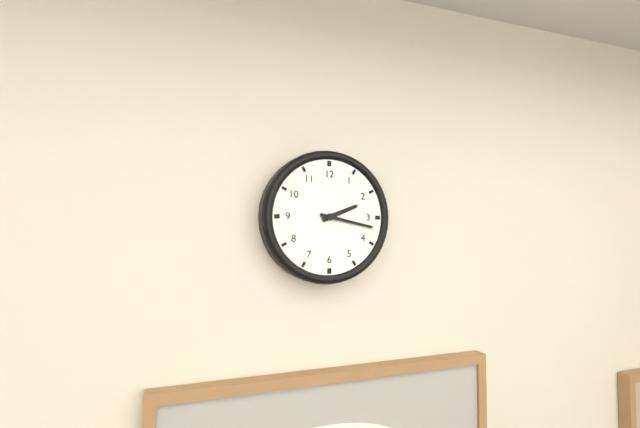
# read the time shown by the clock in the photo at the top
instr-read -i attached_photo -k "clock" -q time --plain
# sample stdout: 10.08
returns 2.17
